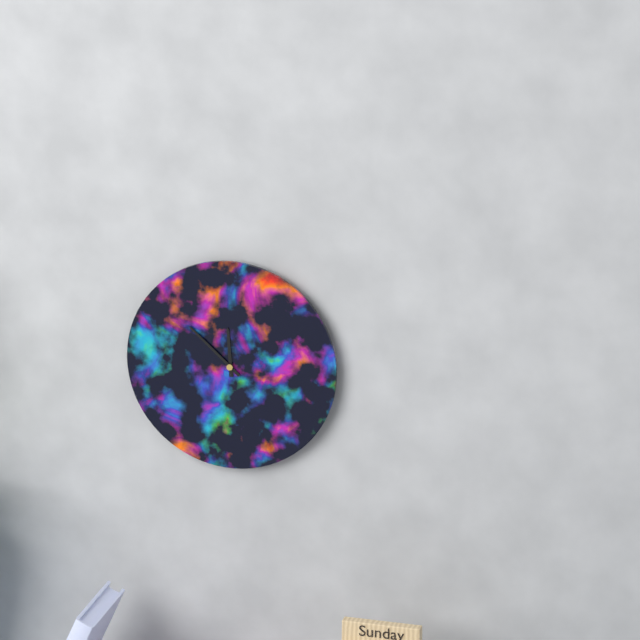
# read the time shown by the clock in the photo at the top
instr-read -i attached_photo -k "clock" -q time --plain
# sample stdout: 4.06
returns 11.52
